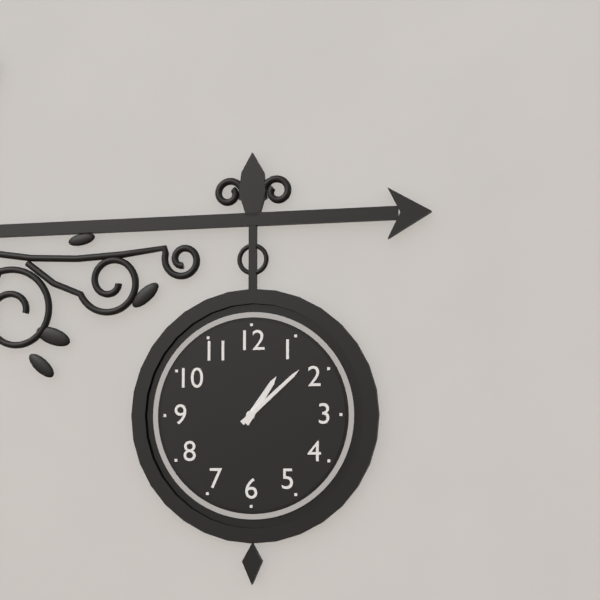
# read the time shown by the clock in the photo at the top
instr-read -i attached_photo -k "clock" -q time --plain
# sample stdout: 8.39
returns 1.08
